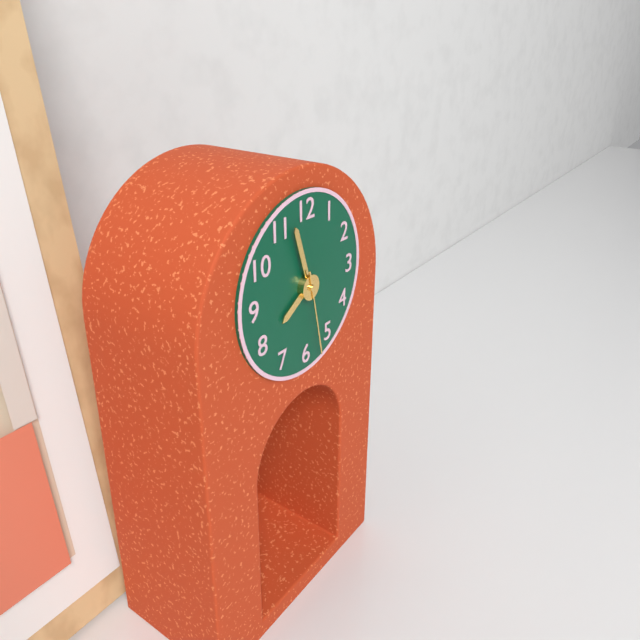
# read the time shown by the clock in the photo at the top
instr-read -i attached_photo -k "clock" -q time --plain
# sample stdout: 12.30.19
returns 7.57.28
